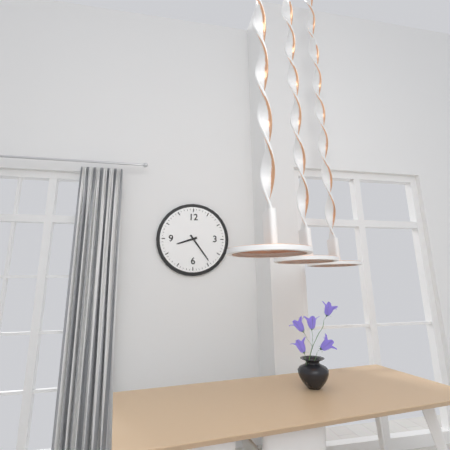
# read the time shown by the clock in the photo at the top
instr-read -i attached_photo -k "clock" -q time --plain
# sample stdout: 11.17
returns 8.24
